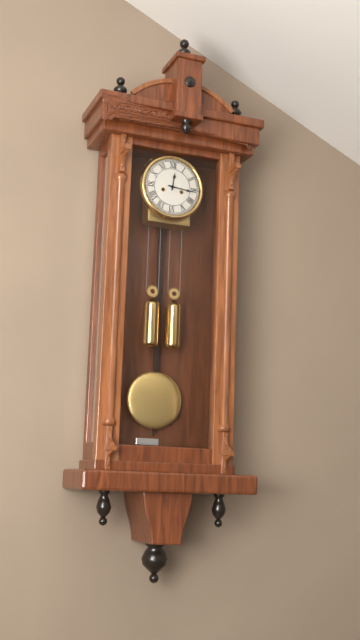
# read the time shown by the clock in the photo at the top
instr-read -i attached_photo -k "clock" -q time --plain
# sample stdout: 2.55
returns 12.16
